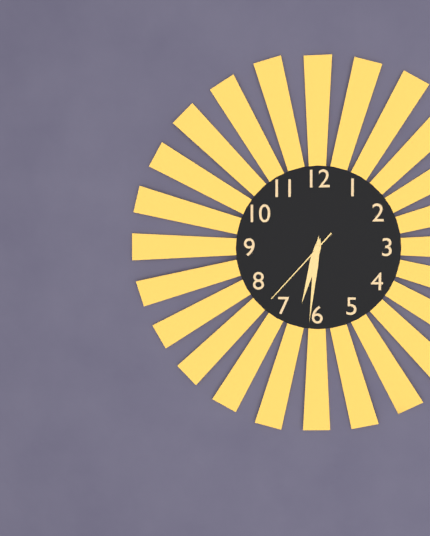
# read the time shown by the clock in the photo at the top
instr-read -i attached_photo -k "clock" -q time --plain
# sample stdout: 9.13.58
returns 6.31.37
